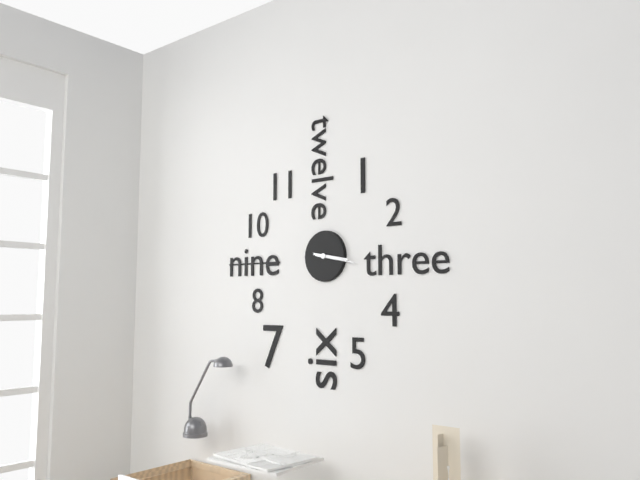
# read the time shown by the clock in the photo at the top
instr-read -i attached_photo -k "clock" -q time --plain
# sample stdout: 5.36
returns 3.17
